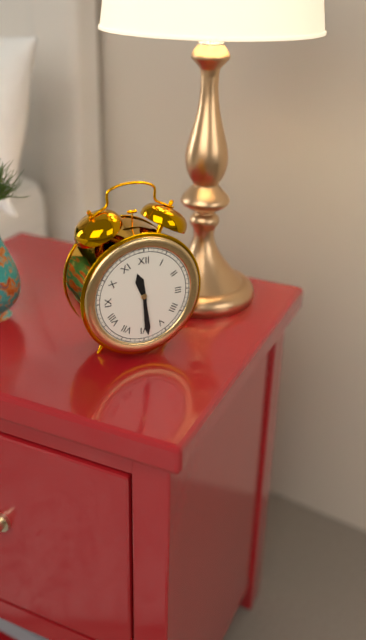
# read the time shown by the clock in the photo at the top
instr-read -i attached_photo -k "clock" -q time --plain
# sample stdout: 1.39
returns 11.29
